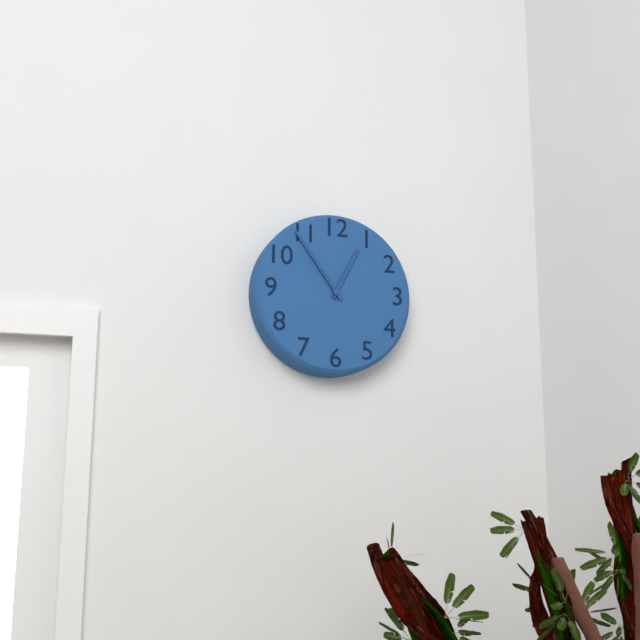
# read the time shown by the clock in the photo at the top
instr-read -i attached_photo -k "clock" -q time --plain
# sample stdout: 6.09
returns 12.54
